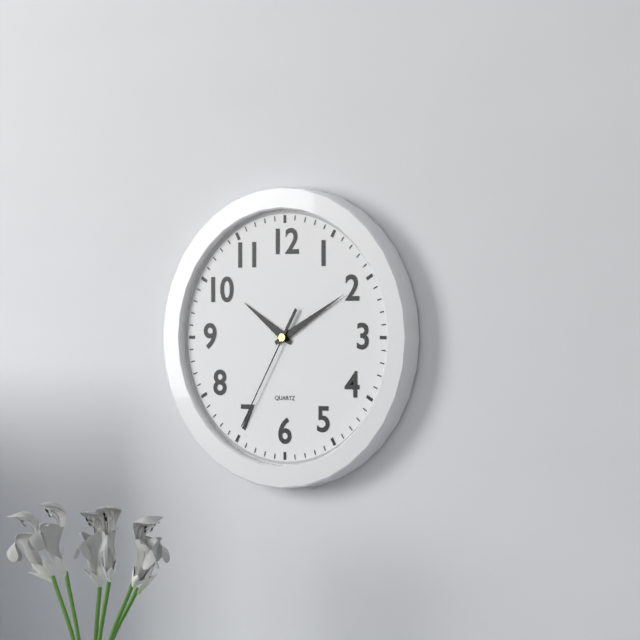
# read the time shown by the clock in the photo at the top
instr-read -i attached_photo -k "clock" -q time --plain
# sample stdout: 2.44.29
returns 10.10.35
